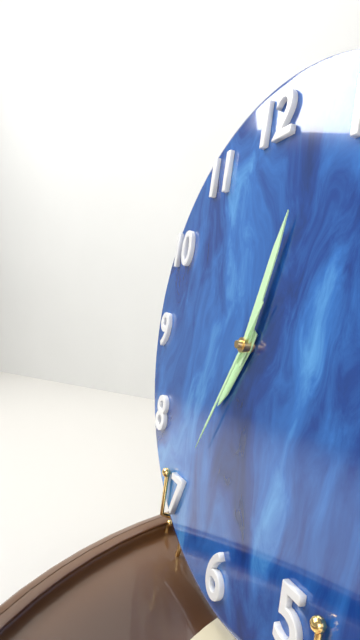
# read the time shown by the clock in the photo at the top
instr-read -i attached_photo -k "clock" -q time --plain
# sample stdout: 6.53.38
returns 7.03.35
